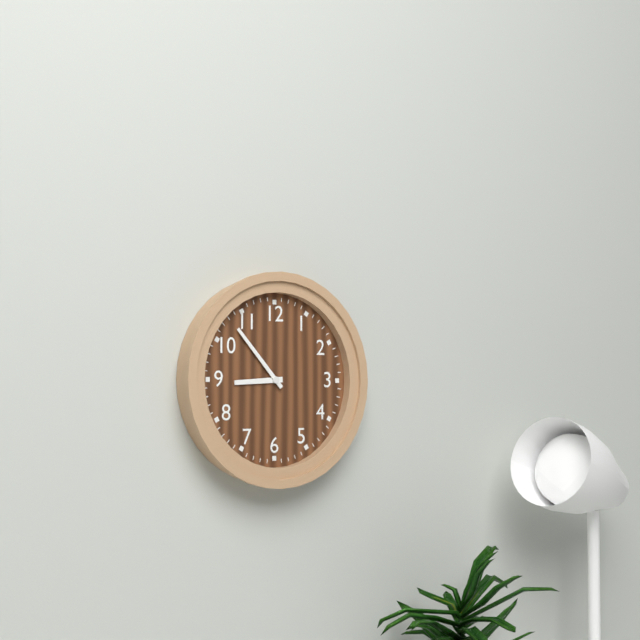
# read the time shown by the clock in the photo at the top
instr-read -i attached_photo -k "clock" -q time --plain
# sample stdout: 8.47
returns 8.53
